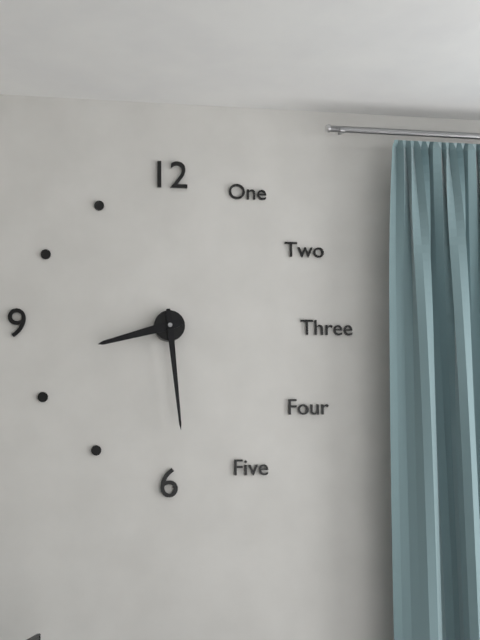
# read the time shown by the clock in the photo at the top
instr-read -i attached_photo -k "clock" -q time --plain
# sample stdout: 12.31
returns 8.29
